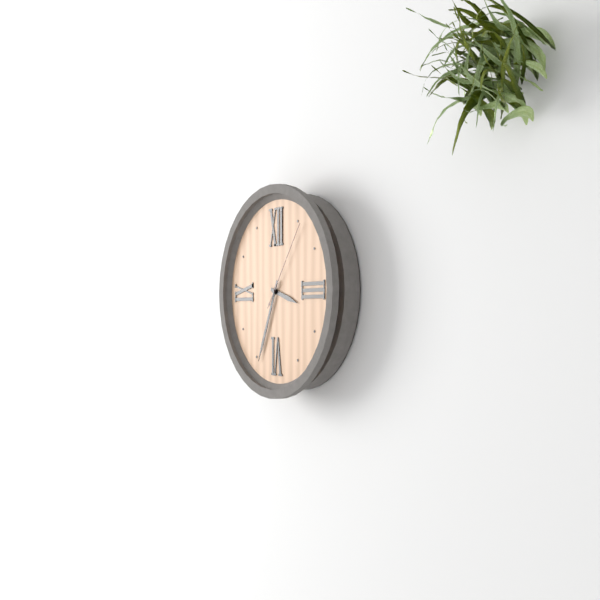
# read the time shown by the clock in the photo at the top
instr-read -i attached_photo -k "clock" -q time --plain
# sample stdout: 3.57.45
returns 3.34.06
